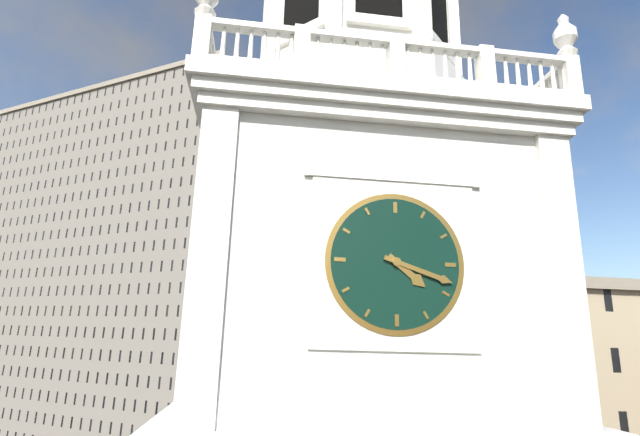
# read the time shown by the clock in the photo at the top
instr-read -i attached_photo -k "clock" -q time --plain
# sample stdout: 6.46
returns 4.18
